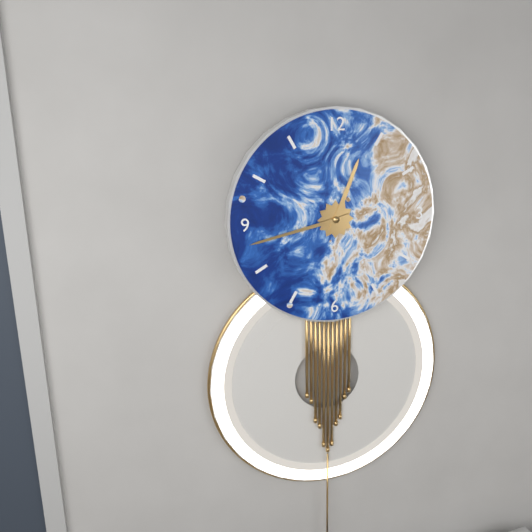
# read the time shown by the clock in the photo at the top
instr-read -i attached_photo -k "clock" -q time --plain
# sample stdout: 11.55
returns 12.43
